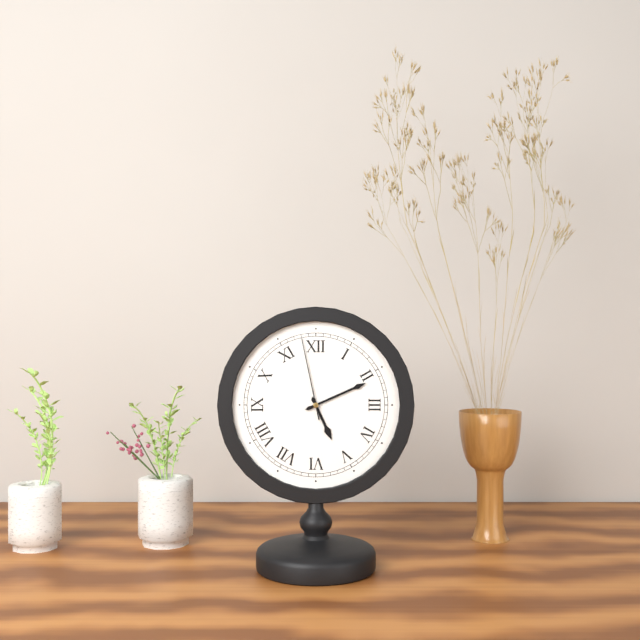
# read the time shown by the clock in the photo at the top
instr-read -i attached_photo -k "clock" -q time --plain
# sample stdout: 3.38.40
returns 5.11.58
